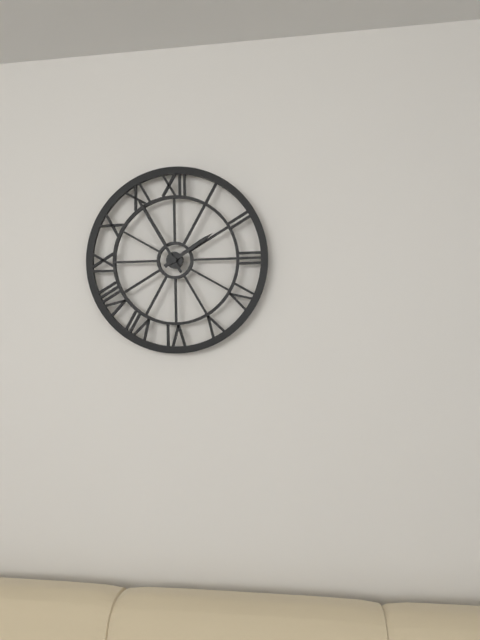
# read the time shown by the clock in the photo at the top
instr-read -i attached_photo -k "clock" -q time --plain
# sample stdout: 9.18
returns 1.55
